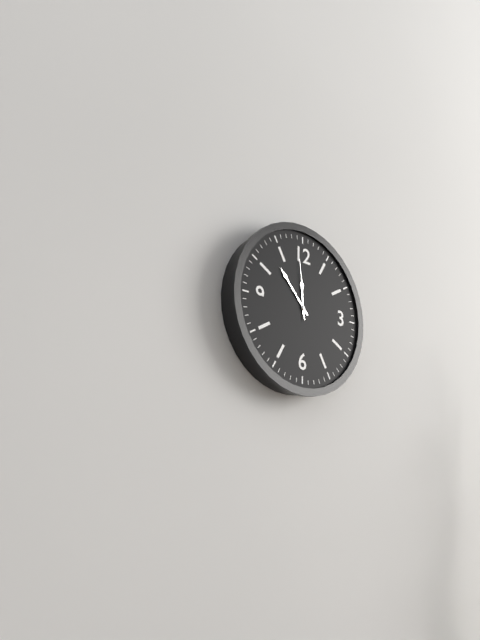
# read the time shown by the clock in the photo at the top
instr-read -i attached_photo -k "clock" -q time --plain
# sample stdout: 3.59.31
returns 11.53.59
